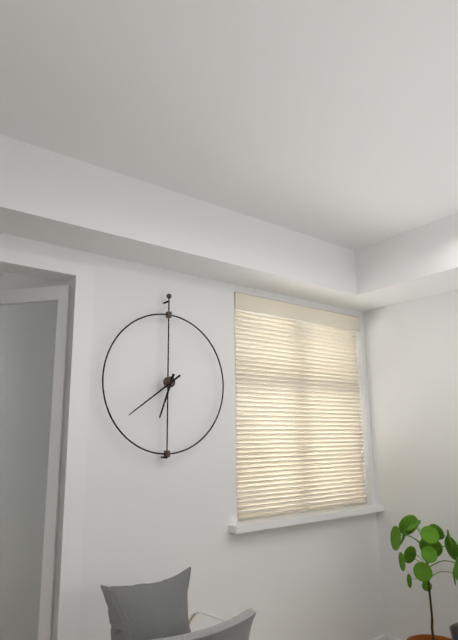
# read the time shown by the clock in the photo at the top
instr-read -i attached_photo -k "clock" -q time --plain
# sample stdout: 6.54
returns 6.39
